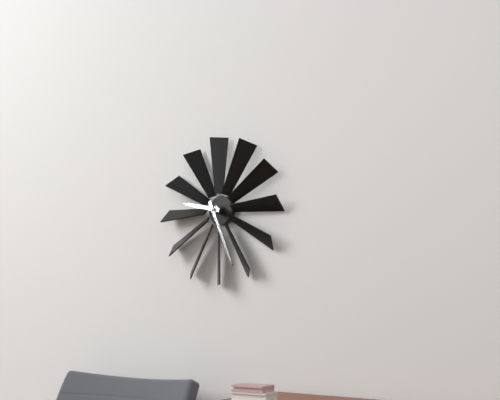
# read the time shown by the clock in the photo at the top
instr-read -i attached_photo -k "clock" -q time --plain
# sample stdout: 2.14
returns 9.26
